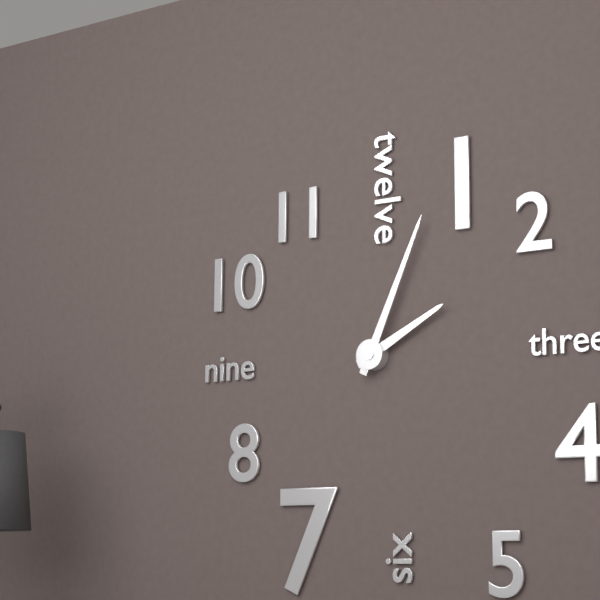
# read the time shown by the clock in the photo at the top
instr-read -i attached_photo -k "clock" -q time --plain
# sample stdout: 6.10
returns 2.04
